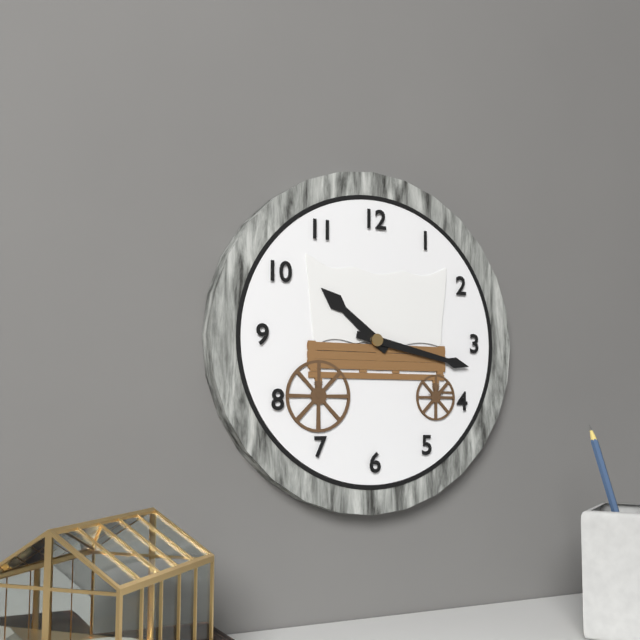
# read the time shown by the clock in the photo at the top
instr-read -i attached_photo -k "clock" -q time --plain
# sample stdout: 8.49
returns 10.17
